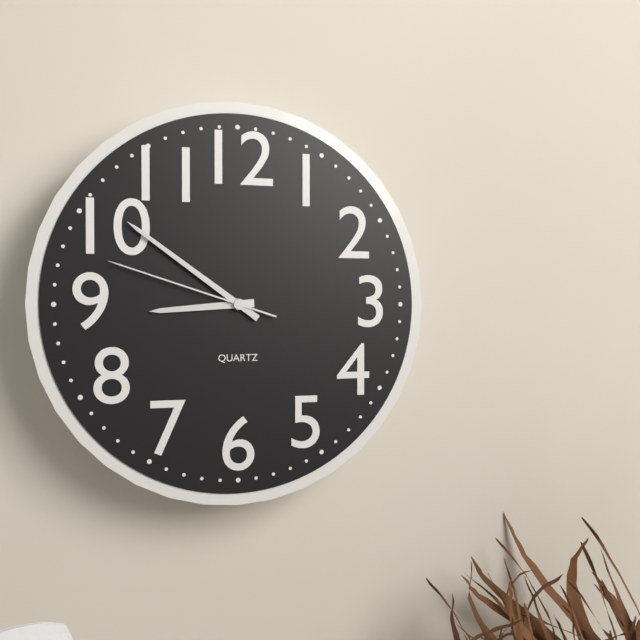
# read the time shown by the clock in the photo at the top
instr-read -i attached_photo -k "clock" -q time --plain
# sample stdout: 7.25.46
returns 8.51.48
